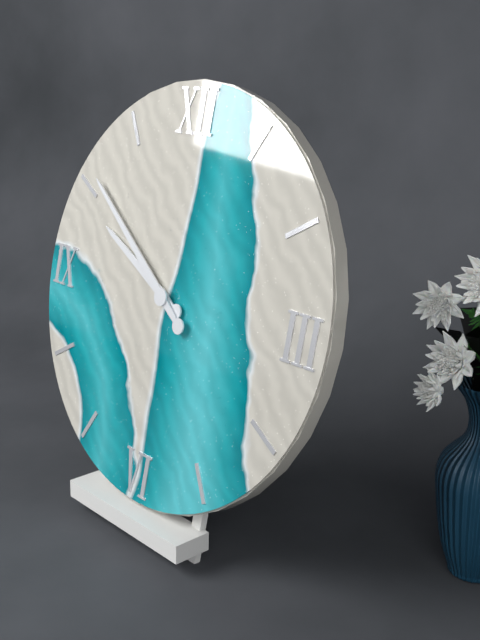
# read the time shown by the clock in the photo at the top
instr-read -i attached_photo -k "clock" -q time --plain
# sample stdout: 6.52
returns 9.51
